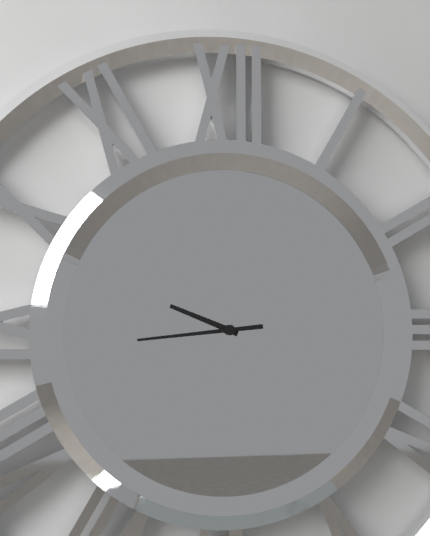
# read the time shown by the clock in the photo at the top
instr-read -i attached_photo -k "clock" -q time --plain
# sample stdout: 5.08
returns 9.44
